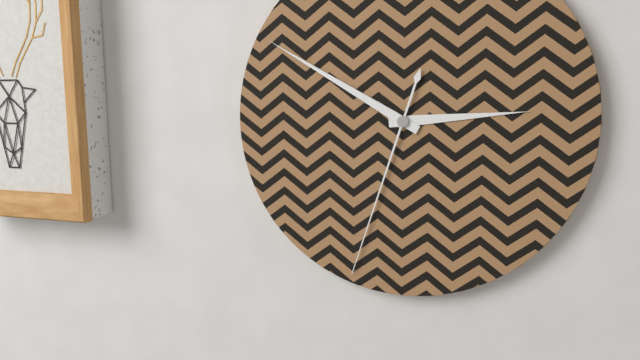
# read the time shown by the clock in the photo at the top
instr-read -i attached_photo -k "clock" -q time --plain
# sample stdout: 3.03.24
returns 2.50.33
